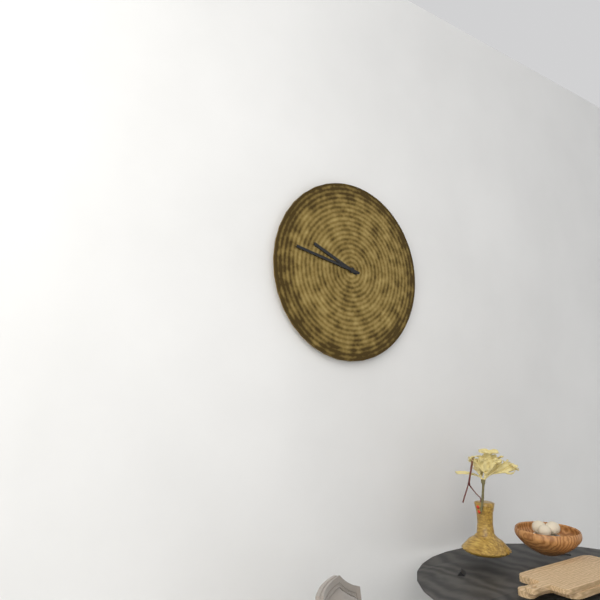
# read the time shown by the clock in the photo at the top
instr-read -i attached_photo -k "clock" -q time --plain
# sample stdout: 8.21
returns 9.47
